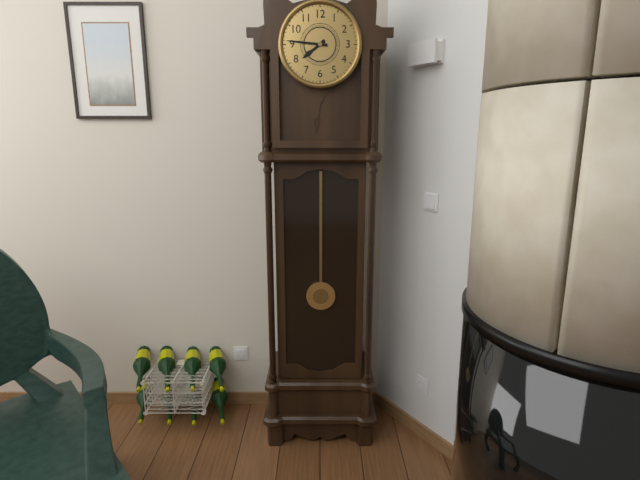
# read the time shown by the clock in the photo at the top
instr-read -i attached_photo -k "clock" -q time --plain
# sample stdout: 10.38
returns 7.46
